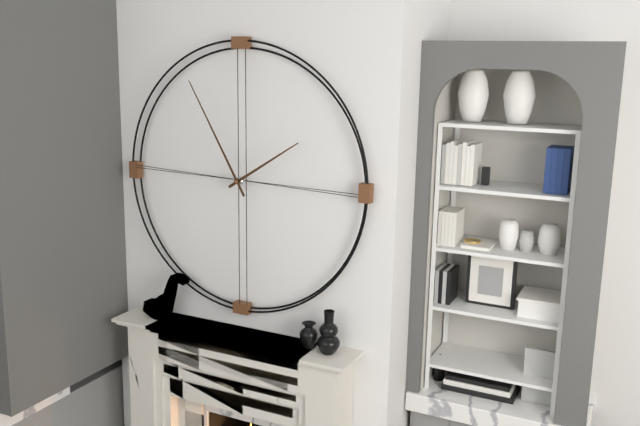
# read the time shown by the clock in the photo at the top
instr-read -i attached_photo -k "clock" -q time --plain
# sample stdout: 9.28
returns 1.55
